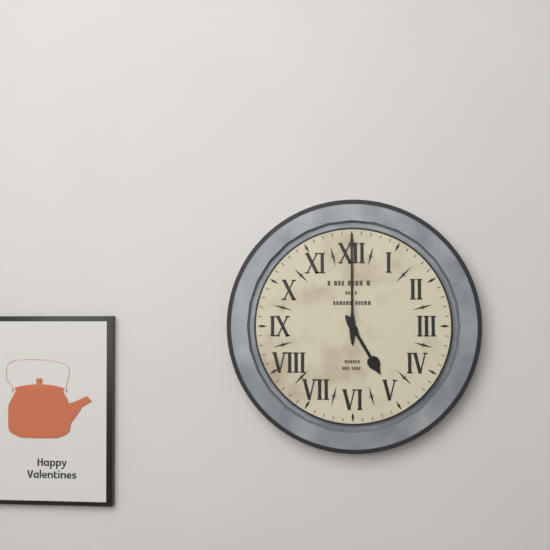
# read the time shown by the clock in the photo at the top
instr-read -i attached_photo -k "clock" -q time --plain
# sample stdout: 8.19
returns 5.00
